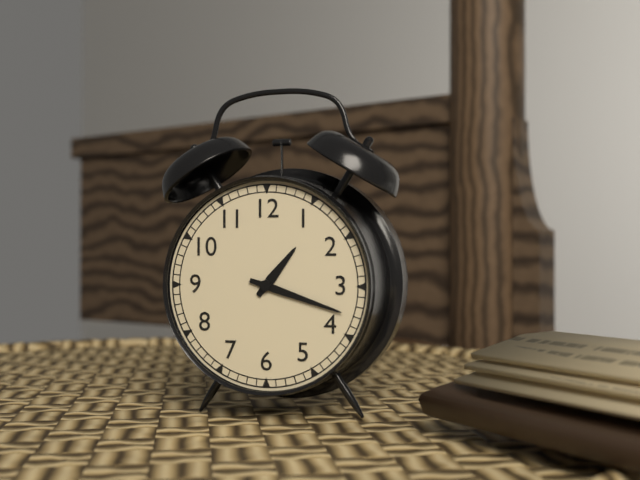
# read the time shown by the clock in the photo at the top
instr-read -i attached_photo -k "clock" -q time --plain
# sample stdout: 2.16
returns 1.18
